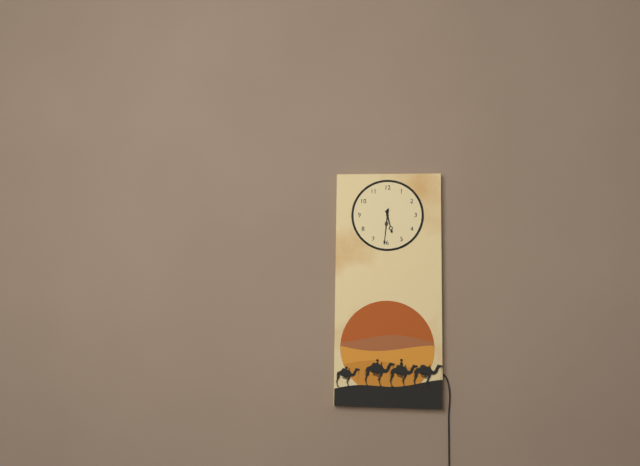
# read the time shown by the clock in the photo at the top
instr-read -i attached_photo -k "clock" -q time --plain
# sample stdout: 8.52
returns 5.31
